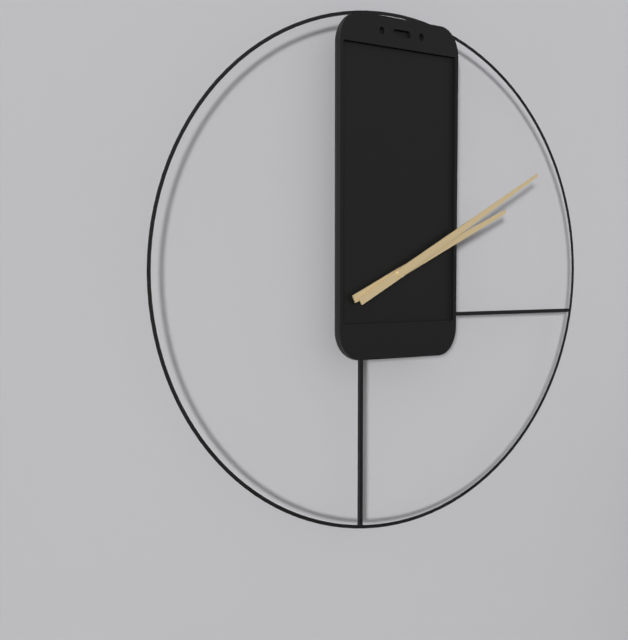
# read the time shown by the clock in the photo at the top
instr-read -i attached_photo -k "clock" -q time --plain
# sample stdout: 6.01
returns 2.10
